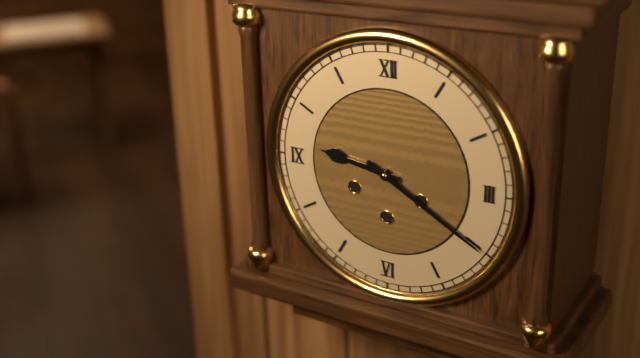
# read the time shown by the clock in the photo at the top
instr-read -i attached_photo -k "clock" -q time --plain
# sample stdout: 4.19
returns 9.20
